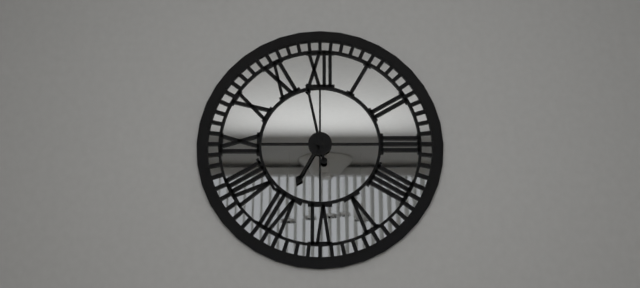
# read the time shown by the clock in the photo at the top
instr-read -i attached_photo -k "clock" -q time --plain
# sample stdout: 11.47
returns 6.58
